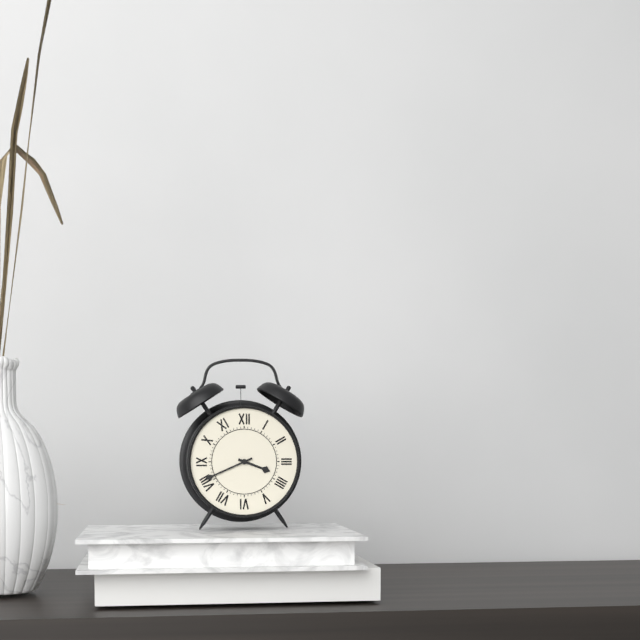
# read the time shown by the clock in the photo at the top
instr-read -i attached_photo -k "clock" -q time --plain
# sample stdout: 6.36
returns 3.41
